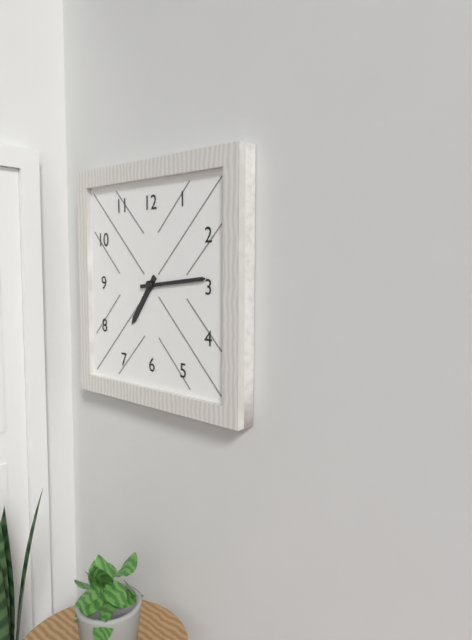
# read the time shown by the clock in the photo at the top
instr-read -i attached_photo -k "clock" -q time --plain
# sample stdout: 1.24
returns 7.14
